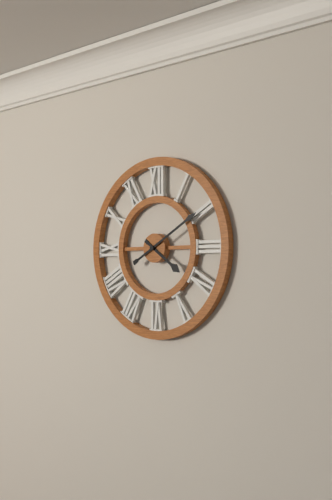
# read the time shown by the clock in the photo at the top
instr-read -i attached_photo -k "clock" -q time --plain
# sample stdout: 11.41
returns 4.10
